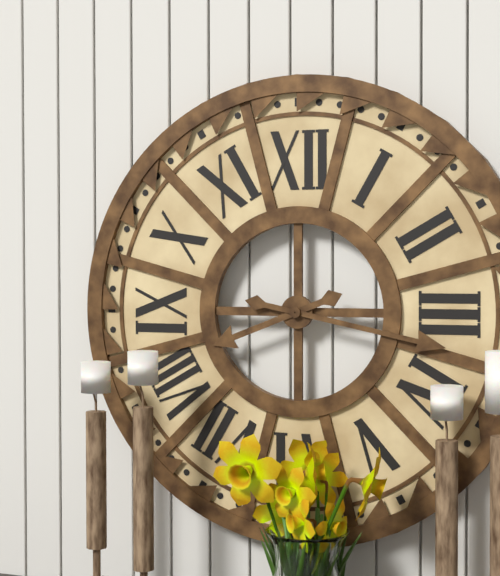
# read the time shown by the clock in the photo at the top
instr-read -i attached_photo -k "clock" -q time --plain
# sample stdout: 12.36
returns 8.17
